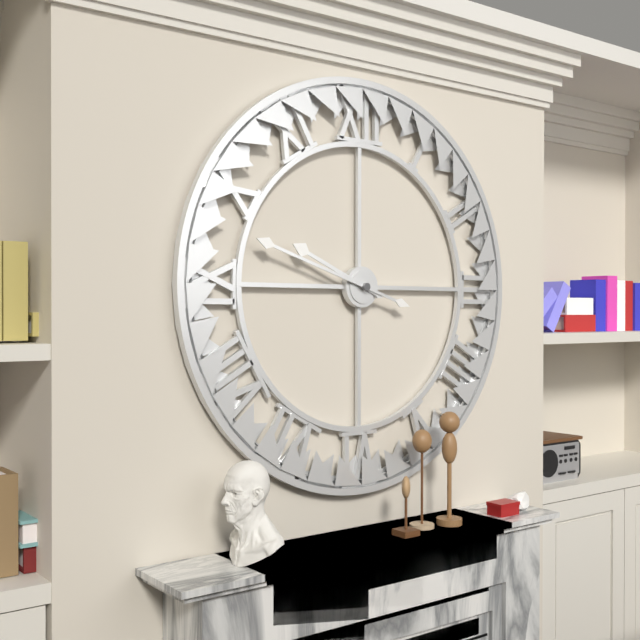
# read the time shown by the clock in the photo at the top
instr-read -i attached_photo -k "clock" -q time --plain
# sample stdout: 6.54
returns 9.48
